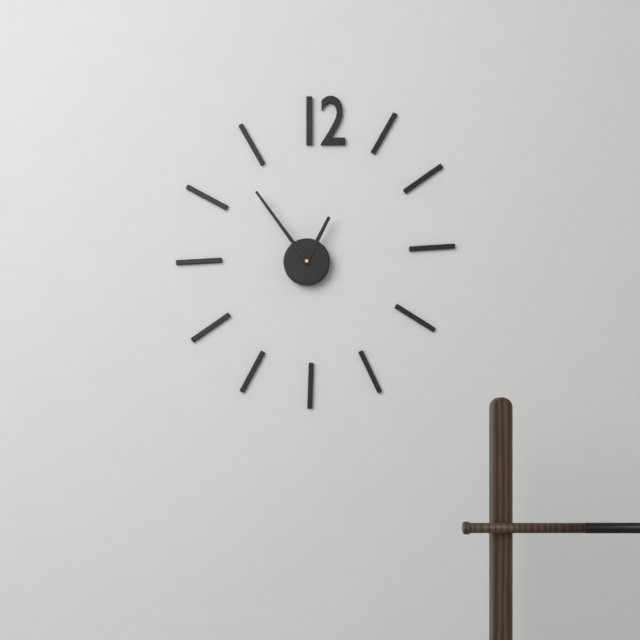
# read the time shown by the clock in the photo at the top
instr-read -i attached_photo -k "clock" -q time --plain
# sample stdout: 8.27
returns 12.54
